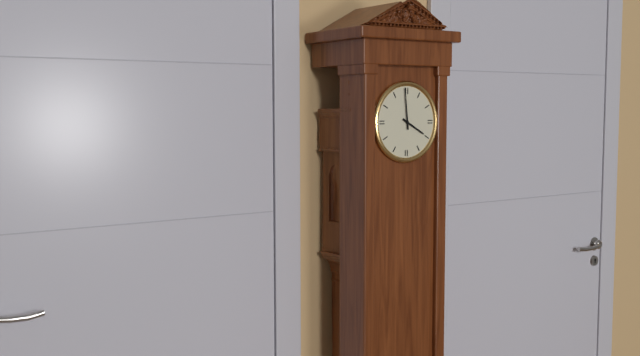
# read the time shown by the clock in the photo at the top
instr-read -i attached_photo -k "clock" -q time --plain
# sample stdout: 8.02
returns 3.59
